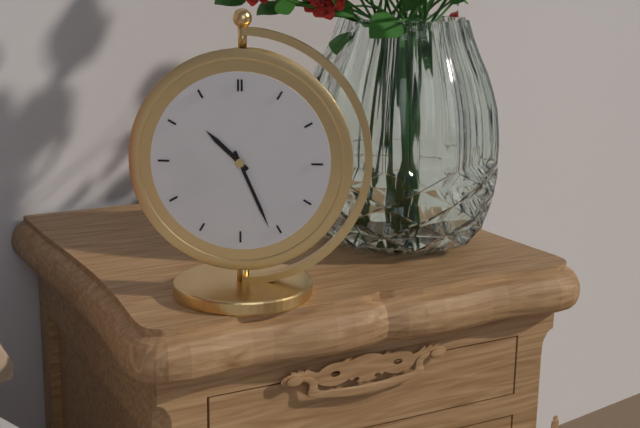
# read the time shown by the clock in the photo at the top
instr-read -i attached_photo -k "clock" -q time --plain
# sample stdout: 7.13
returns 10.26
